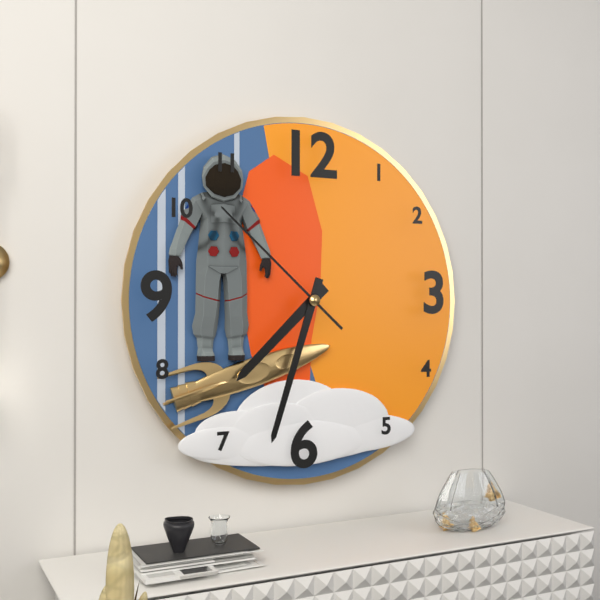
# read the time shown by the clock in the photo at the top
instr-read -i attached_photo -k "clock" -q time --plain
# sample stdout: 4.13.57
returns 7.33.52
